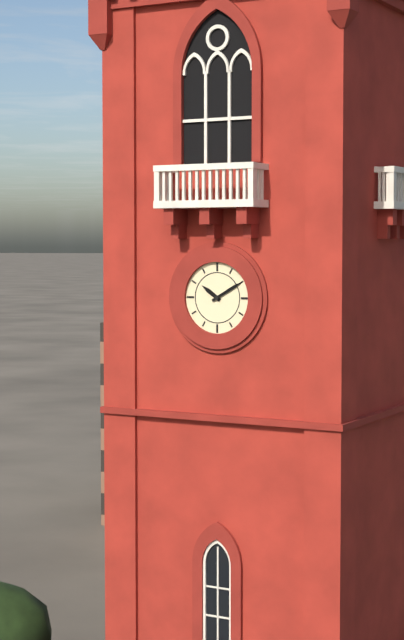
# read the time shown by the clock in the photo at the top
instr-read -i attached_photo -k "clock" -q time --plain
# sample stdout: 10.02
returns 10.10
